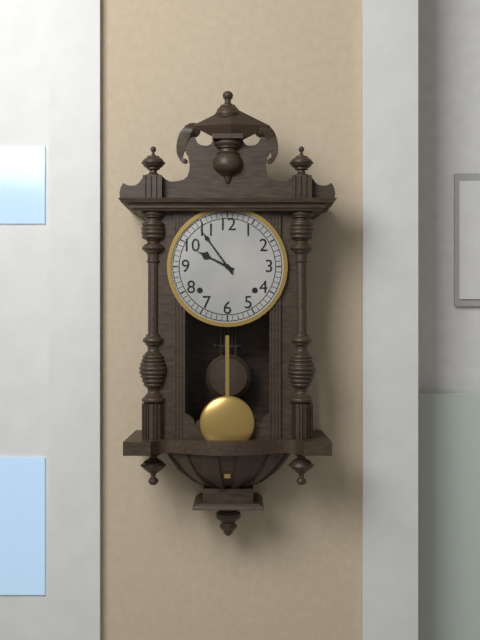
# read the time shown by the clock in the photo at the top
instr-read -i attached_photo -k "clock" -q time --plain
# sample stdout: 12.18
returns 9.54
